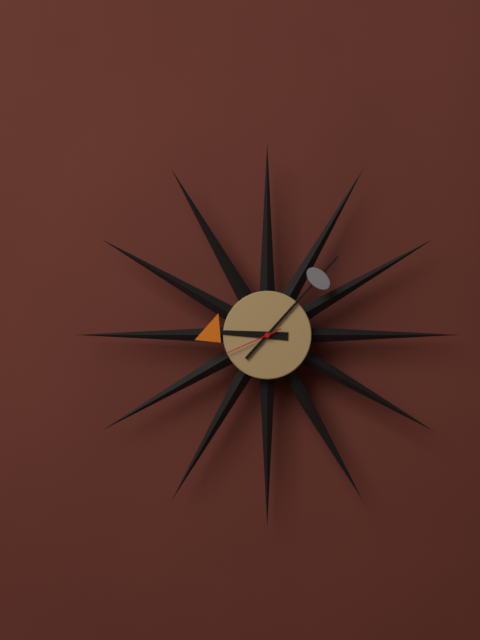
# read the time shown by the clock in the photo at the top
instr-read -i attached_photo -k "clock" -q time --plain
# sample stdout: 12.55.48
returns 9.07.41
